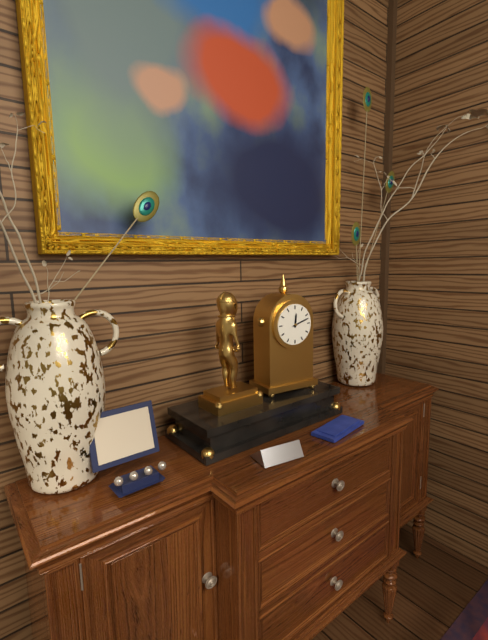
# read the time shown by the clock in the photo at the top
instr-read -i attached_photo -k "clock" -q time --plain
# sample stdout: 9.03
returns 12.12
